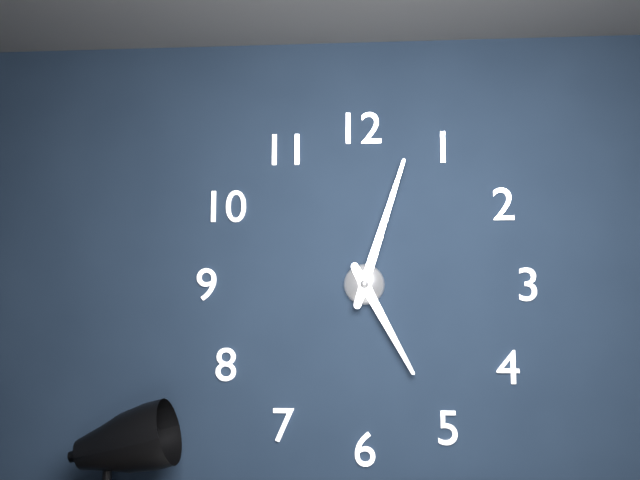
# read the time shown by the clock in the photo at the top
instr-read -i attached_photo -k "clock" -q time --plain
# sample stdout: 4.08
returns 5.03
